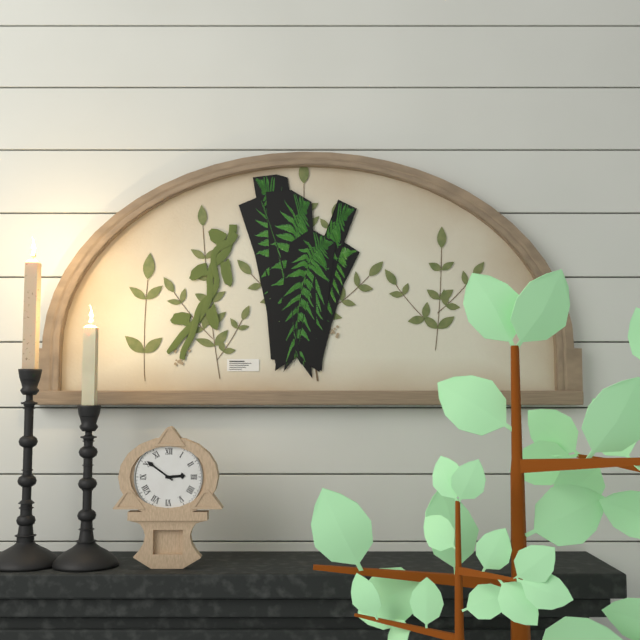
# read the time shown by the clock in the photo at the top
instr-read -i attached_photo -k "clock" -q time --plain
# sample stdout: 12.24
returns 2.51
